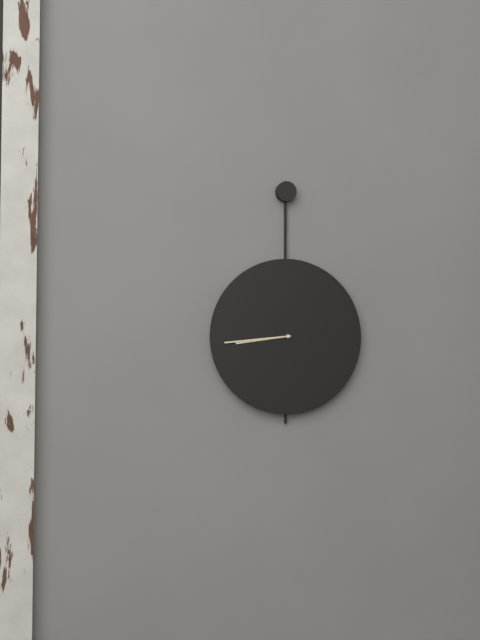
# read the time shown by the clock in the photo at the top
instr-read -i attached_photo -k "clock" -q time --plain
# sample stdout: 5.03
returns 8.44
